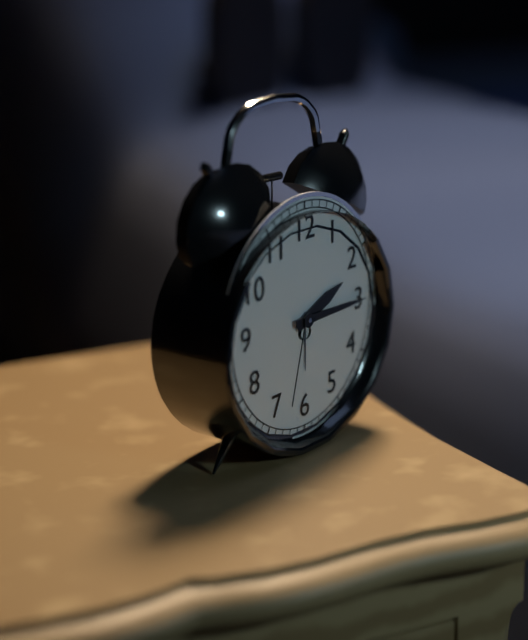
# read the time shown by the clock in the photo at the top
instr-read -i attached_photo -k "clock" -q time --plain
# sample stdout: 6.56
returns 2.15
